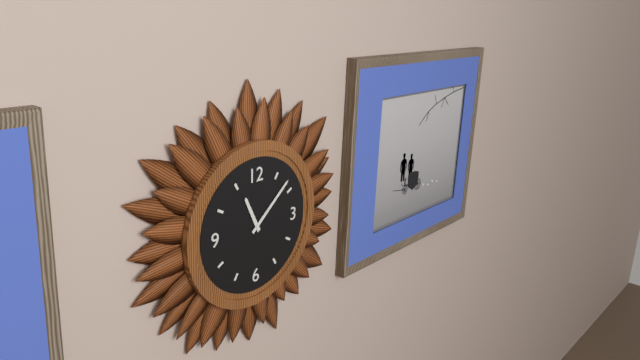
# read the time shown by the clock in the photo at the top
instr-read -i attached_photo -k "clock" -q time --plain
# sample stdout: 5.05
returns 11.08
